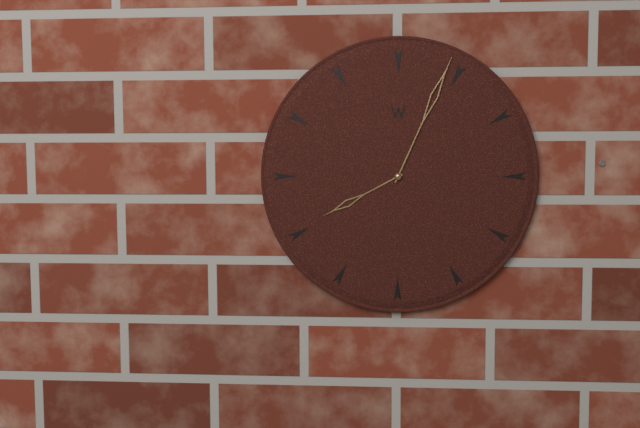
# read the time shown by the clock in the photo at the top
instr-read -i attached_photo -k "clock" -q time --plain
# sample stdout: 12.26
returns 8.04
